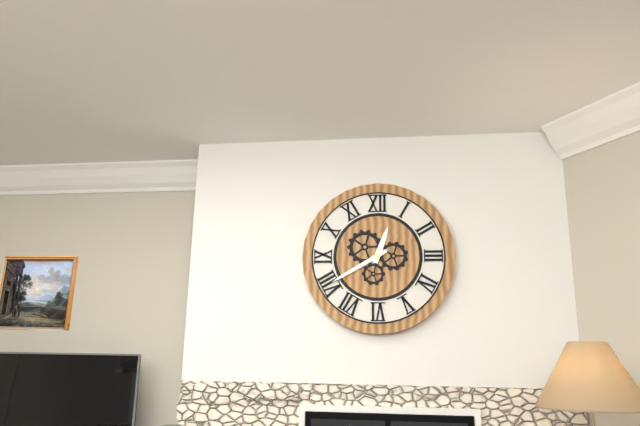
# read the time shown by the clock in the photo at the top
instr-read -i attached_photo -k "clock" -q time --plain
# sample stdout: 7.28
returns 12.40
